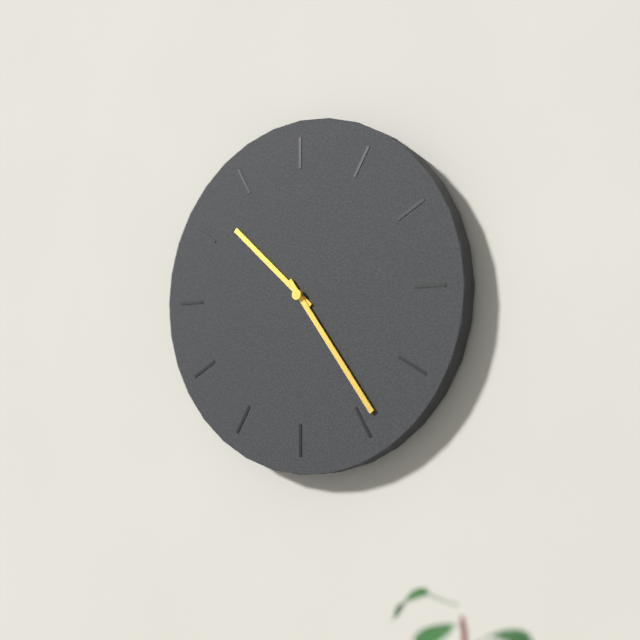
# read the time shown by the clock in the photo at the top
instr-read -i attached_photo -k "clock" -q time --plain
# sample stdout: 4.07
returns 10.24
